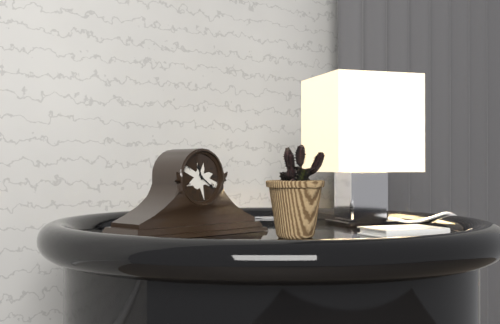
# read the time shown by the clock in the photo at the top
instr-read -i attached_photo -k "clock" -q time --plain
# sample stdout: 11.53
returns 11.21
